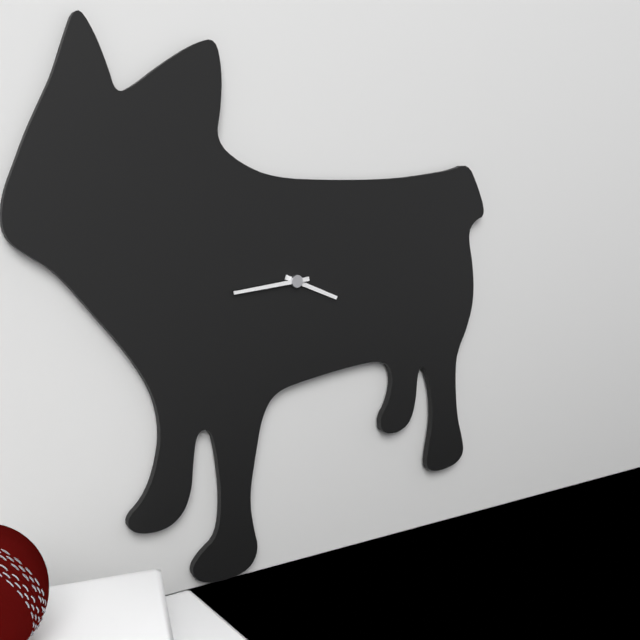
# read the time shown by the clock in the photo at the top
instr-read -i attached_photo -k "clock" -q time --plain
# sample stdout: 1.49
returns 3.44
